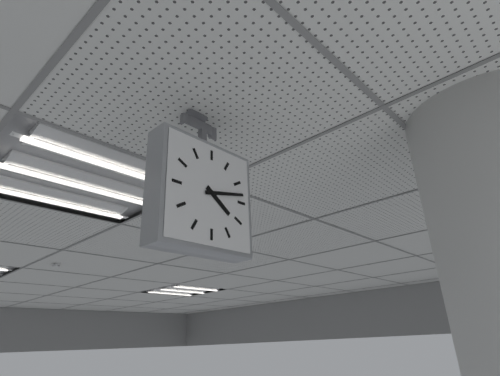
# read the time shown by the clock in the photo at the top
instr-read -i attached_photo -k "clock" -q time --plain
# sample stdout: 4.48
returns 4.13
